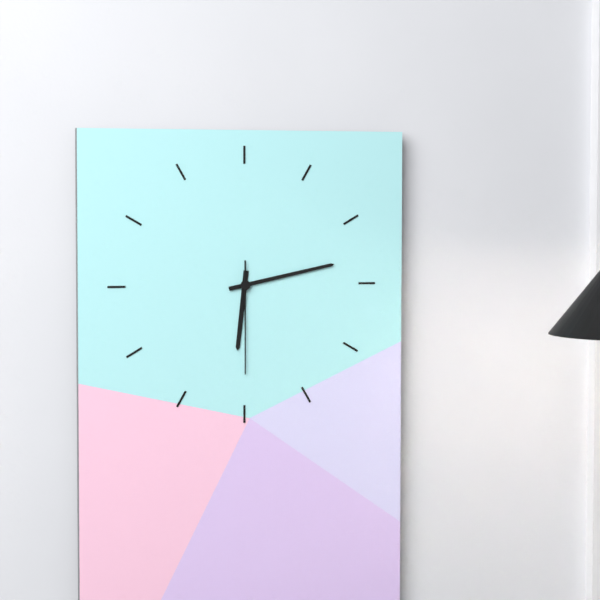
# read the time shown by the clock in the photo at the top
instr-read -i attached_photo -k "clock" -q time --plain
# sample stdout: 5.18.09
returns 6.13.30
